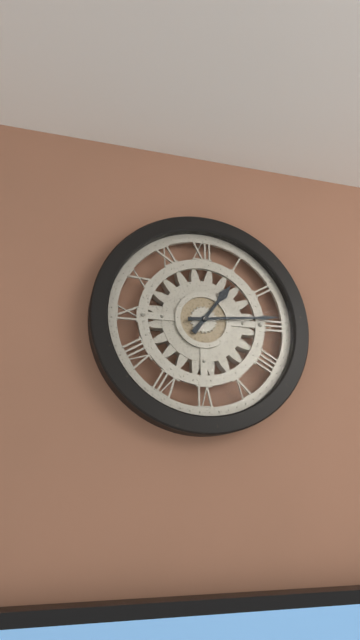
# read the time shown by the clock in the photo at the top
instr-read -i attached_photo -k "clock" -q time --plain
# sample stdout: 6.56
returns 1.14
